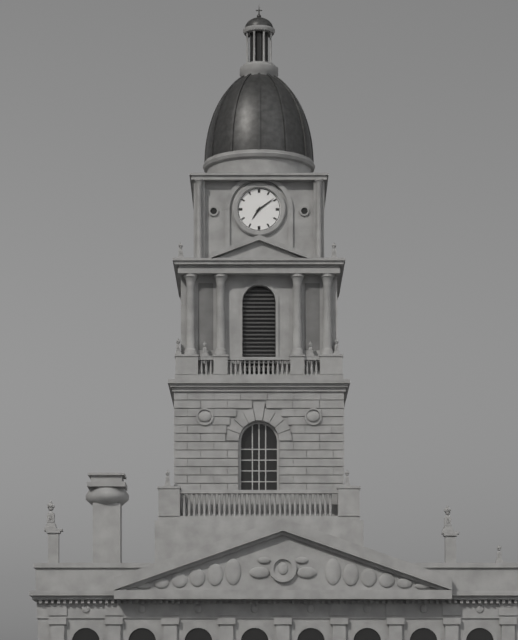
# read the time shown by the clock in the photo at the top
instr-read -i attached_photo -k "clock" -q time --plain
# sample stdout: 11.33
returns 7.09
